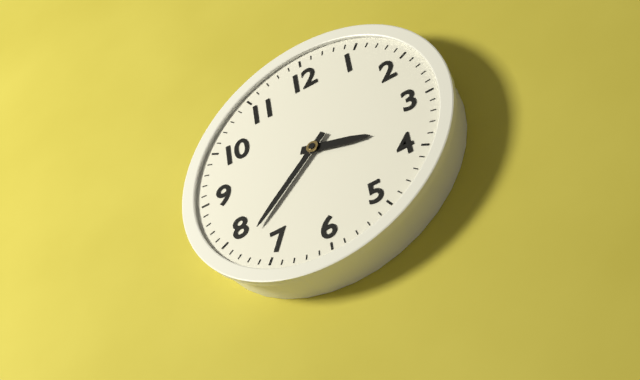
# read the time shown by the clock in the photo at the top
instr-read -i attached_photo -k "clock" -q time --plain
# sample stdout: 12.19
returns 3.38
